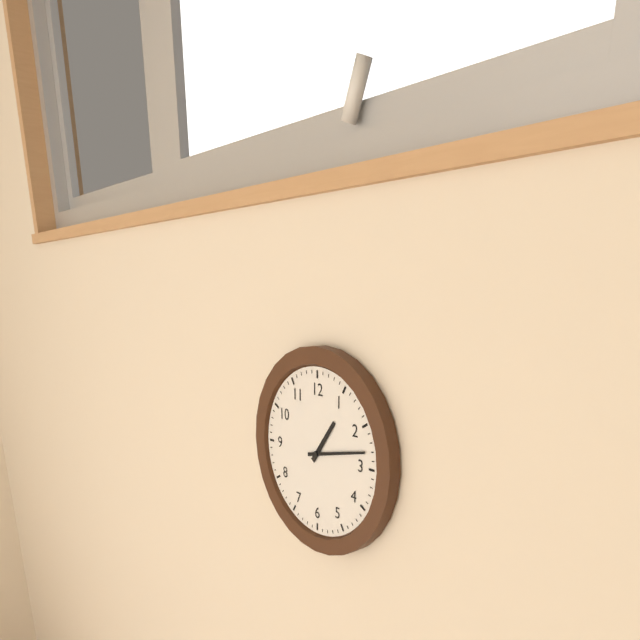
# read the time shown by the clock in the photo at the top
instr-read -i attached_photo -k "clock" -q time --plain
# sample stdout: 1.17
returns 1.13
